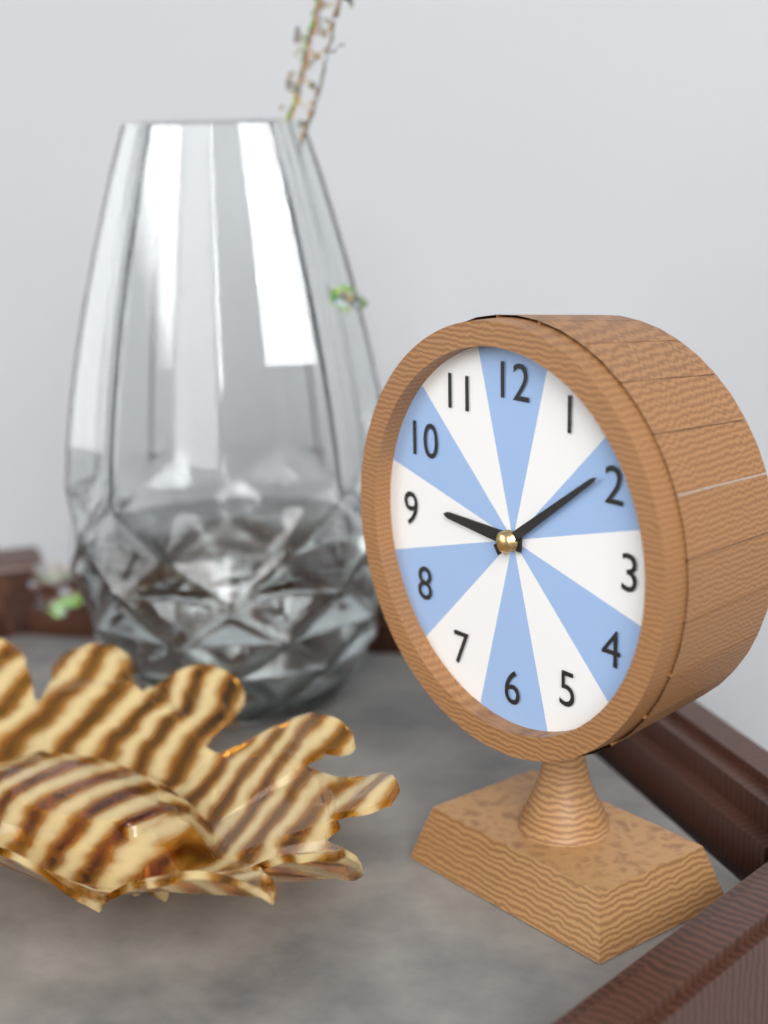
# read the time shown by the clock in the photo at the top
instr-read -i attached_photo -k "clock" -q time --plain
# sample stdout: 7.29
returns 9.09
